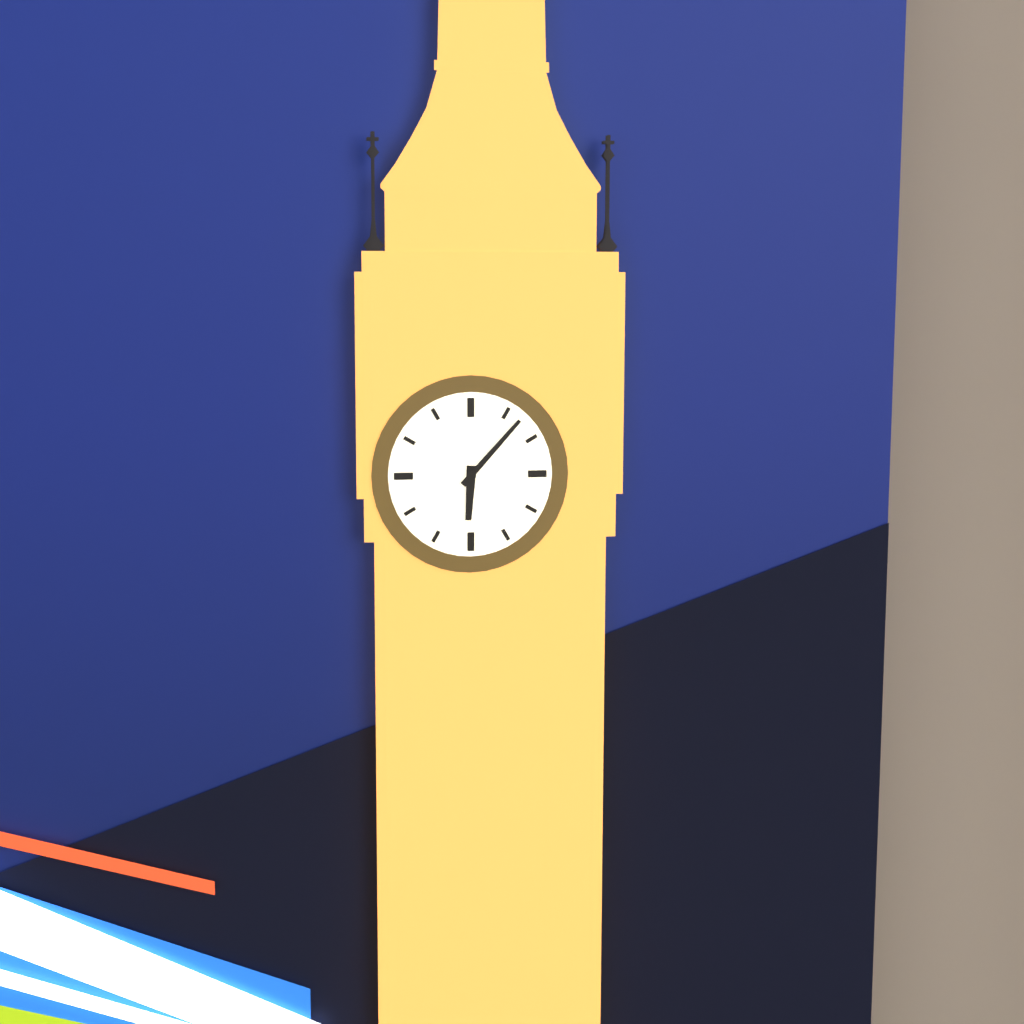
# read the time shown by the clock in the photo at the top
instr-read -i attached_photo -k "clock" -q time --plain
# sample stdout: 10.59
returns 6.07
